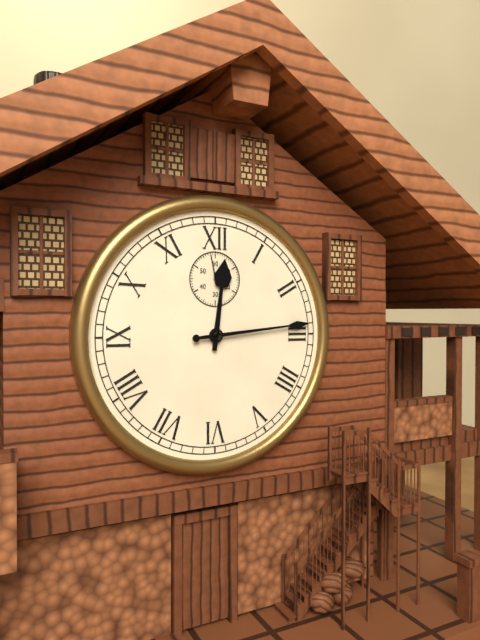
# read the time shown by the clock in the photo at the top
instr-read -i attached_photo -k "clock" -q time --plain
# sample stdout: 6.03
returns 12.14
